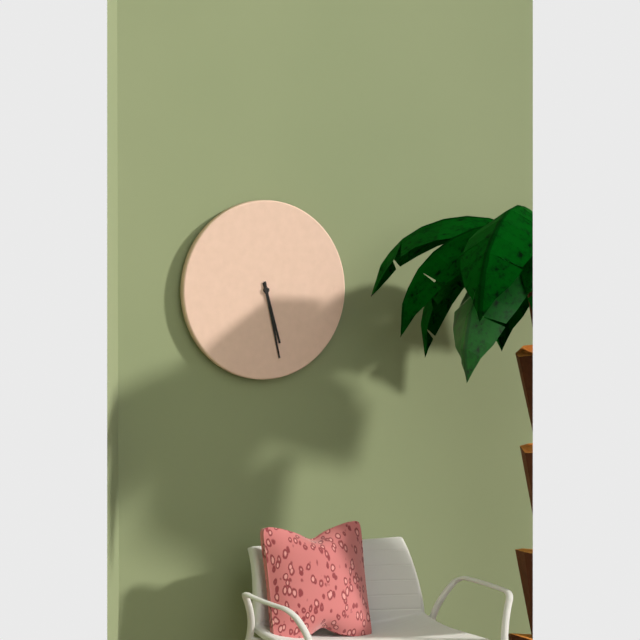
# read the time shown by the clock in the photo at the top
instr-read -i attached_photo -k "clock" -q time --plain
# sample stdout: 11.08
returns 5.28
